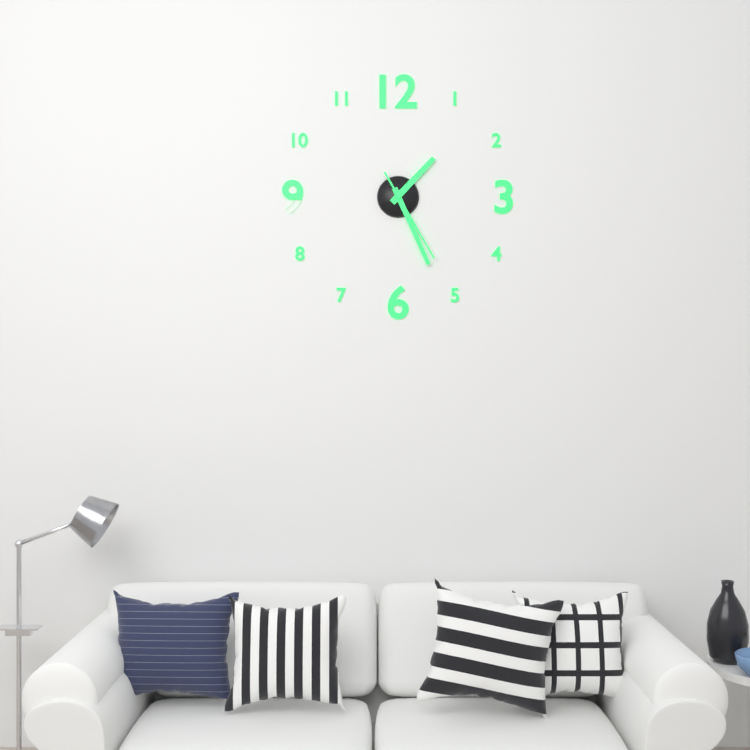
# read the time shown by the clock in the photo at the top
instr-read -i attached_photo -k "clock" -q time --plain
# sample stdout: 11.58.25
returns 1.26.25
